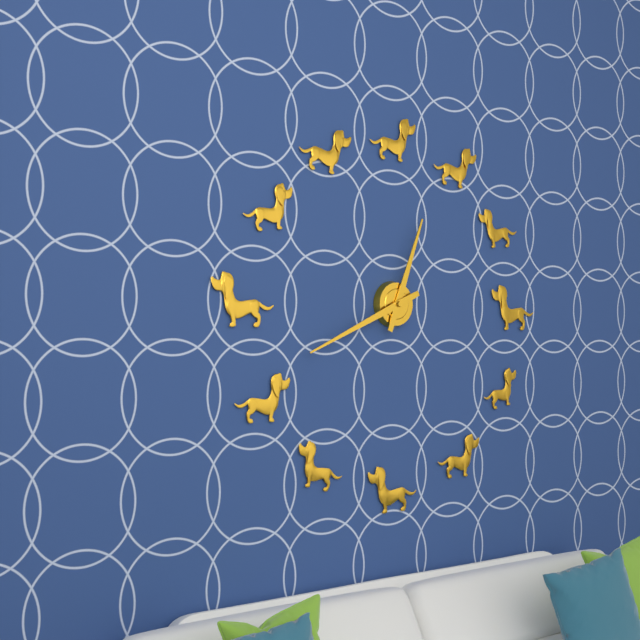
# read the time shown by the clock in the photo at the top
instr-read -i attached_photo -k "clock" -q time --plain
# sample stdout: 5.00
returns 12.41
